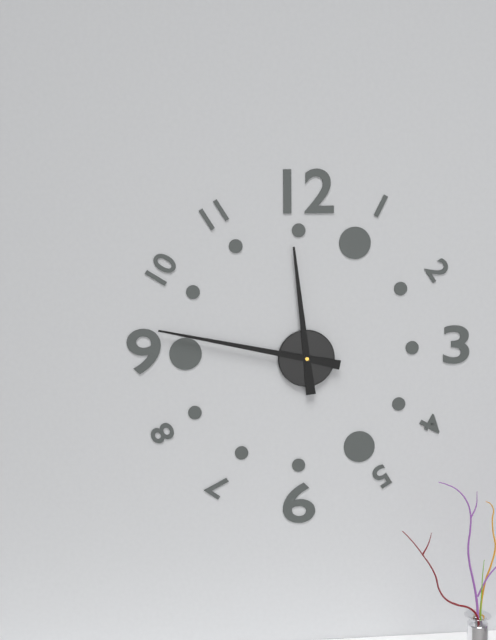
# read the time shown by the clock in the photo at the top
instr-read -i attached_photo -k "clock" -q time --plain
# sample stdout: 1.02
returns 11.47
